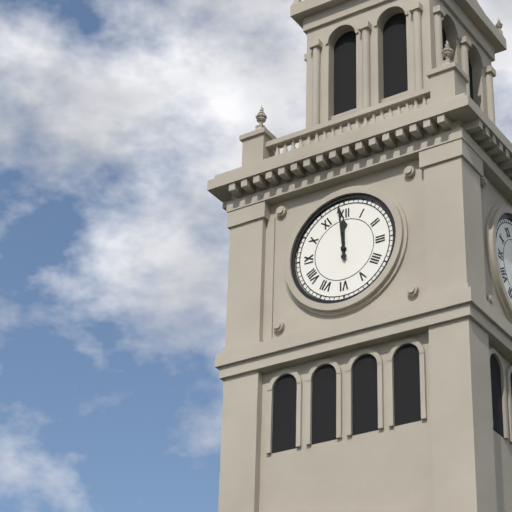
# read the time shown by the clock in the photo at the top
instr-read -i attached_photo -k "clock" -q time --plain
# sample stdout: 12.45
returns 11.59
